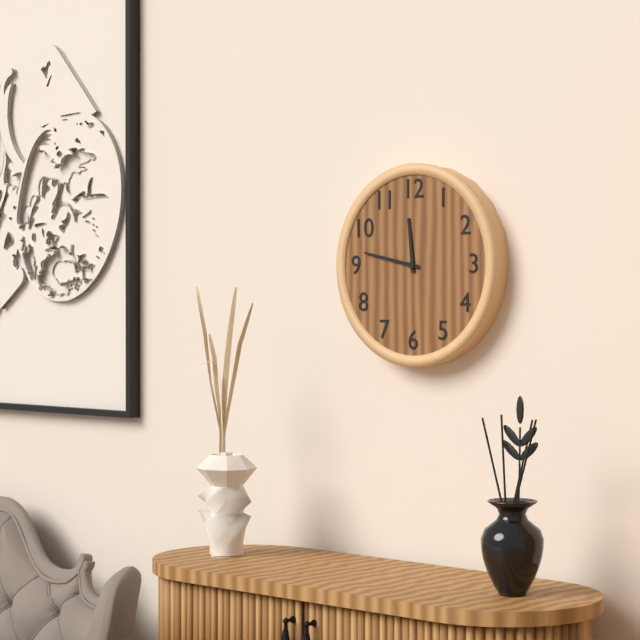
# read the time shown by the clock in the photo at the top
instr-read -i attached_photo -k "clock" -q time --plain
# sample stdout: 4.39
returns 11.47
